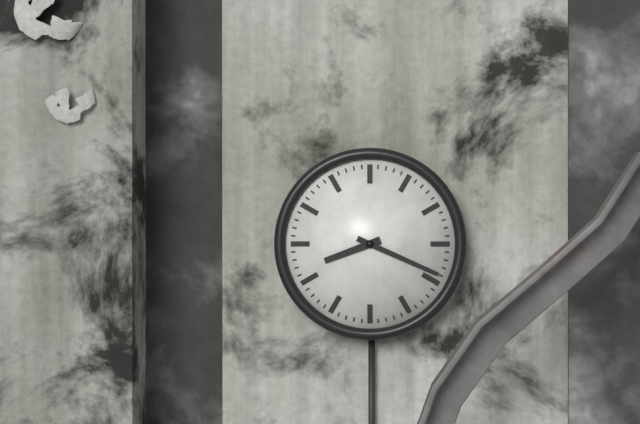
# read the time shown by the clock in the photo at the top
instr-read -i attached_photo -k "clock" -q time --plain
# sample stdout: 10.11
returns 8.19
